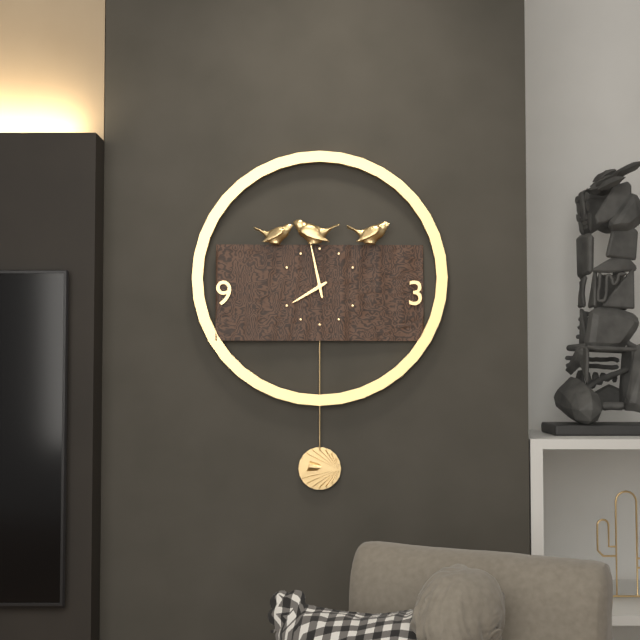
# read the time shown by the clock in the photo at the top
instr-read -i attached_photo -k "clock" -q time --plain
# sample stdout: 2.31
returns 7.58
